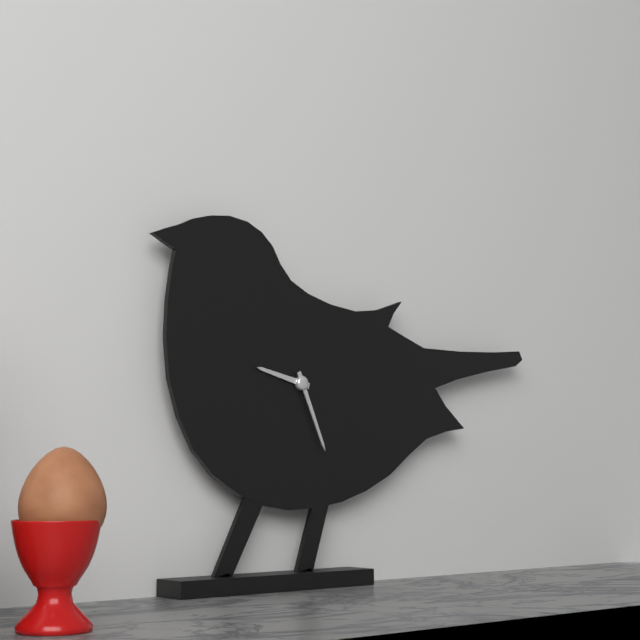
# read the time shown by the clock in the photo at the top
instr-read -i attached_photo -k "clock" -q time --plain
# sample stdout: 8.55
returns 9.26
